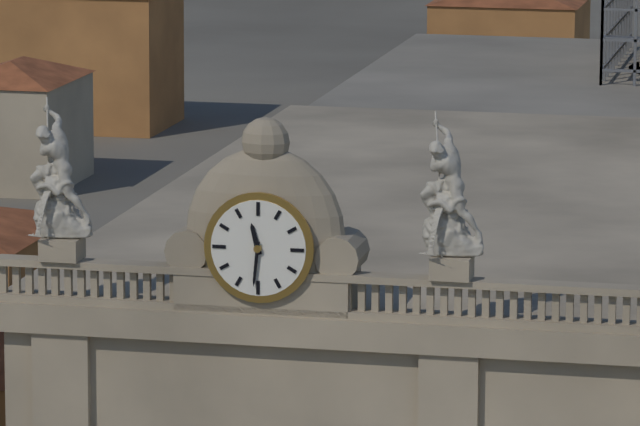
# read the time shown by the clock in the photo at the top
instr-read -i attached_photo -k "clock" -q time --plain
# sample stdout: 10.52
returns 11.31
